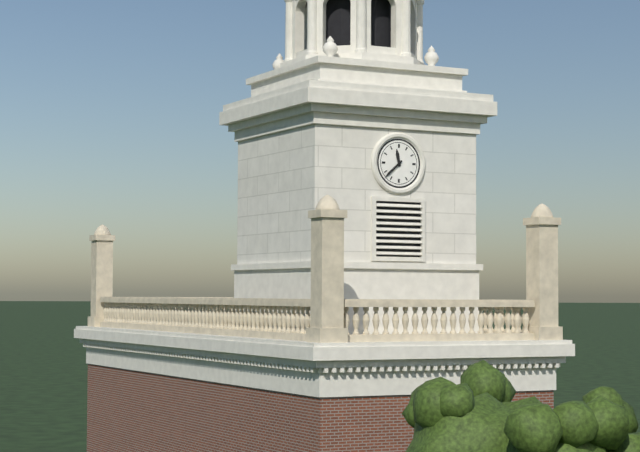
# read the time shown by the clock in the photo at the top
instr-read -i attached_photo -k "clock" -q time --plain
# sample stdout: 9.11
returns 11.38
